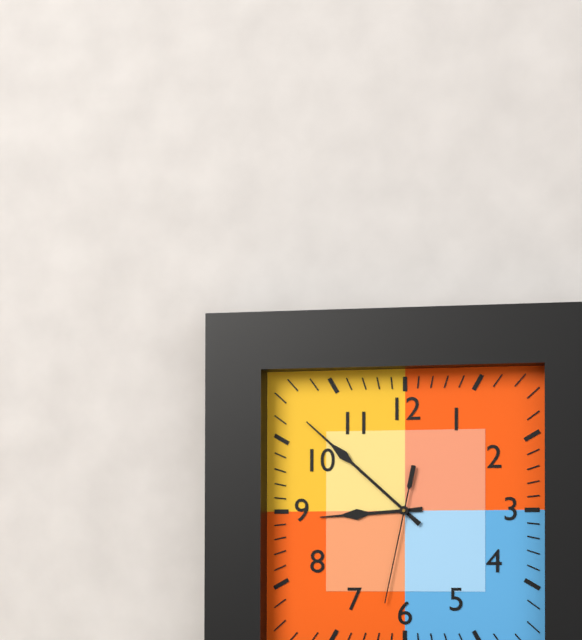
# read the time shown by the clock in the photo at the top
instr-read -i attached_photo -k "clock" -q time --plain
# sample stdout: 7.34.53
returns 8.52.32
